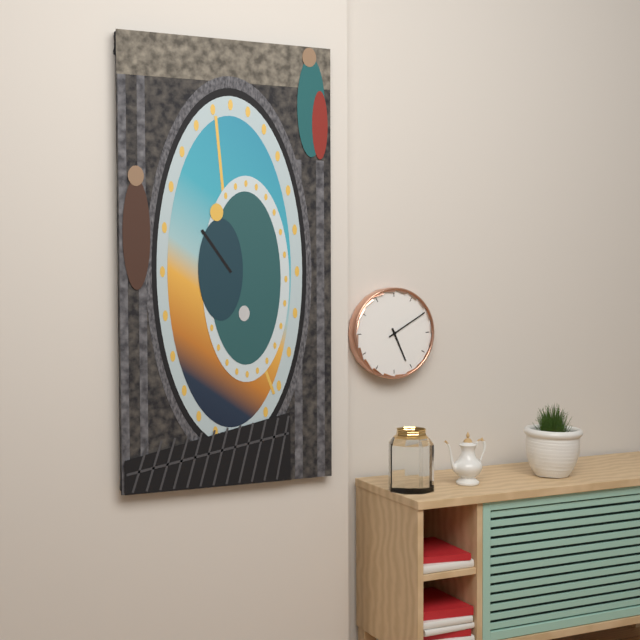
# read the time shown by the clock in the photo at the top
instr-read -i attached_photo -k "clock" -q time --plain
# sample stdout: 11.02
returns 5.10
